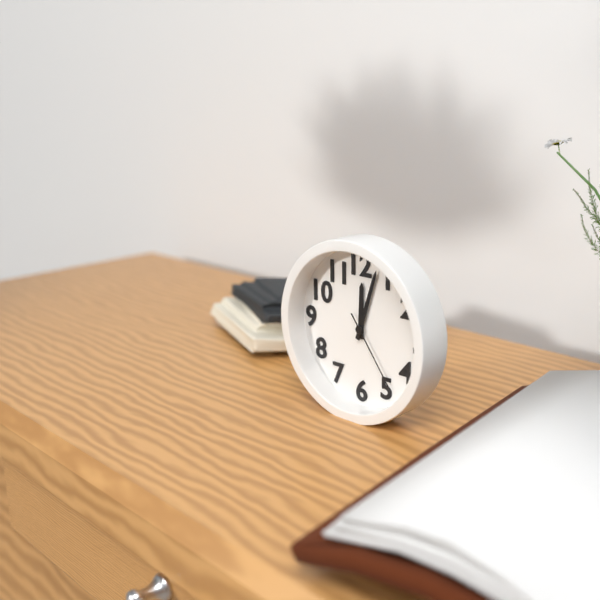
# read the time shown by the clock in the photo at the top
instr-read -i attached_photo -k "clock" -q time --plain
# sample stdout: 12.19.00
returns 12.03.24
